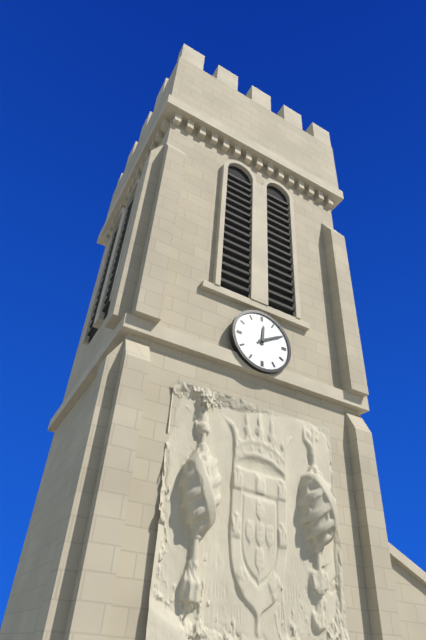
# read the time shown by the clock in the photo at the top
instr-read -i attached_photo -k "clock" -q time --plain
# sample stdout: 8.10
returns 12.10
